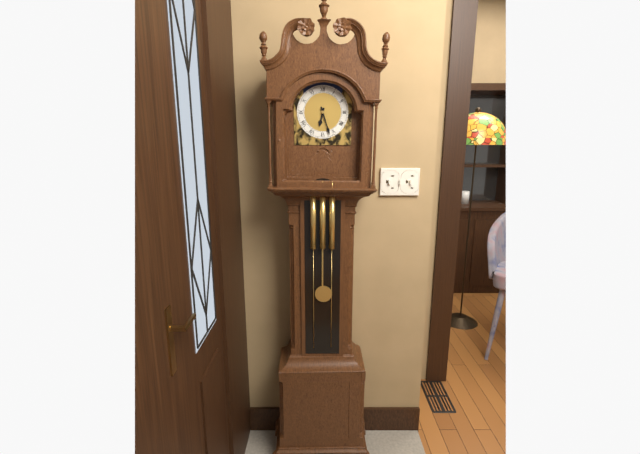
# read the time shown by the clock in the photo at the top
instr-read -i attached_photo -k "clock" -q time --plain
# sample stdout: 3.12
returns 6.27
